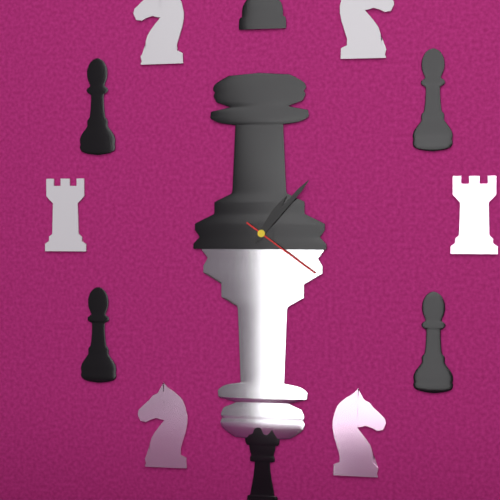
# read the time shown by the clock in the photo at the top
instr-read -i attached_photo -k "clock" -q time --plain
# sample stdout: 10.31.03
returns 1.07.21
